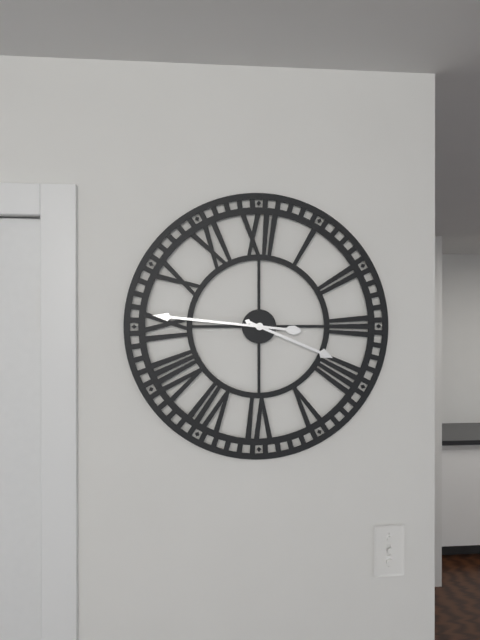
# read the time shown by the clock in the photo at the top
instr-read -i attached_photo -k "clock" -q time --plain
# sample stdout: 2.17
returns 3.46
